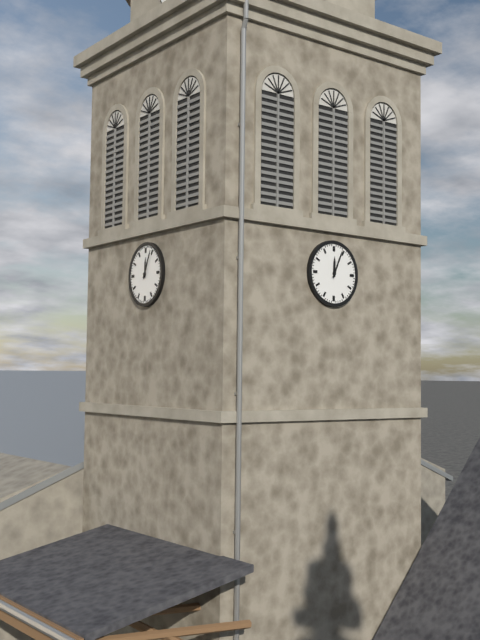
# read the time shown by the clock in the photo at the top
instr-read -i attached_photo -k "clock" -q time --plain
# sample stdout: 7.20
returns 12.04
